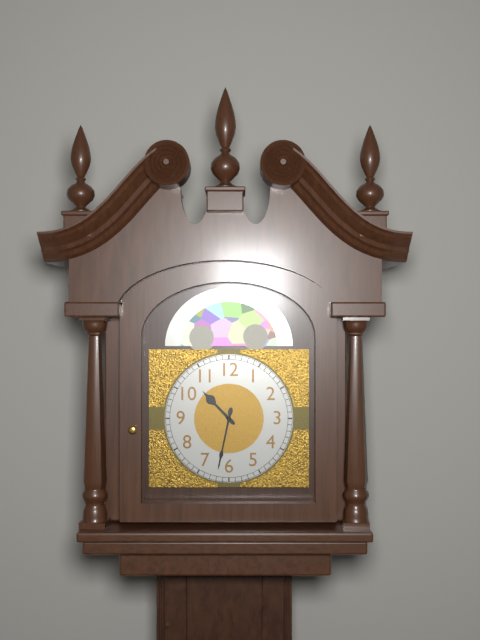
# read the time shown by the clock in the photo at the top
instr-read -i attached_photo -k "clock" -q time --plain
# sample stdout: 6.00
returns 10.32
